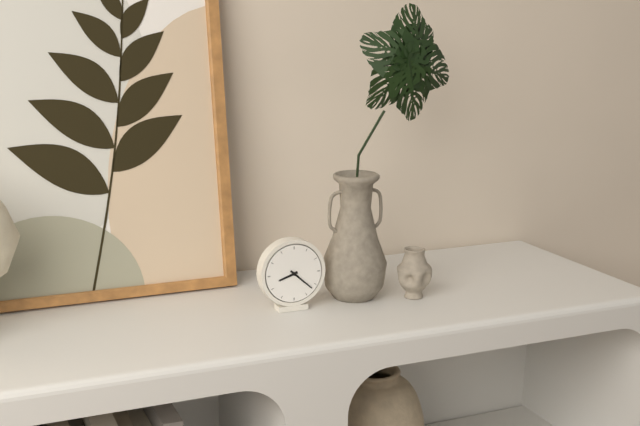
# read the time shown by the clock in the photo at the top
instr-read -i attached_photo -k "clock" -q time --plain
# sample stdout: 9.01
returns 8.22
